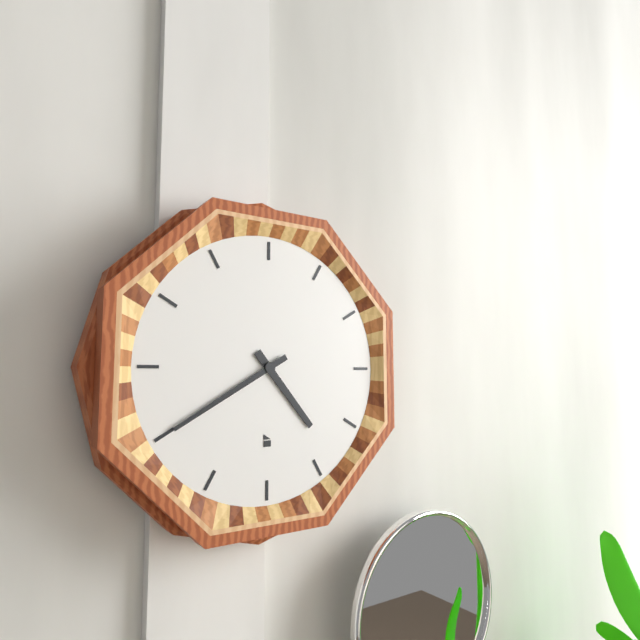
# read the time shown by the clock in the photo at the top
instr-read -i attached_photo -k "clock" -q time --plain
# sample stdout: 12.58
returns 4.40
